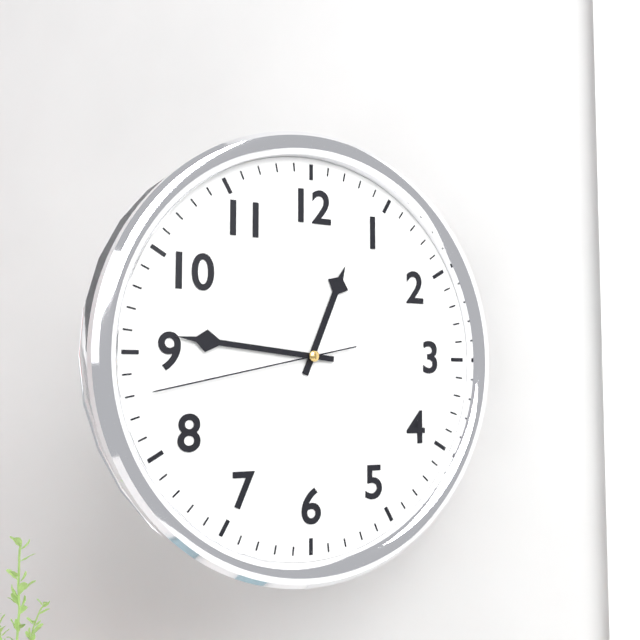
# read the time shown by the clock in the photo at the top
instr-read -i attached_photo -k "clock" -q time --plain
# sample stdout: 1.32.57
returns 12.46.43
